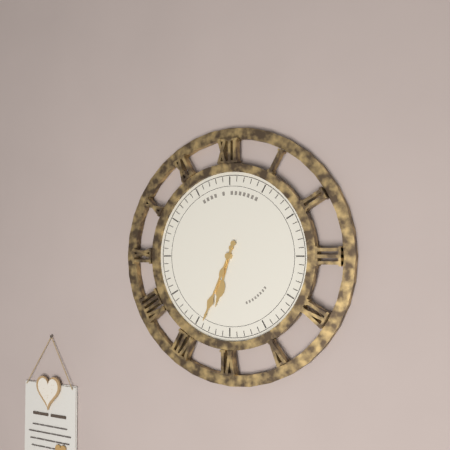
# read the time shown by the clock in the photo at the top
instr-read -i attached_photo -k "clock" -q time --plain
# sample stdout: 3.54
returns 6.34
